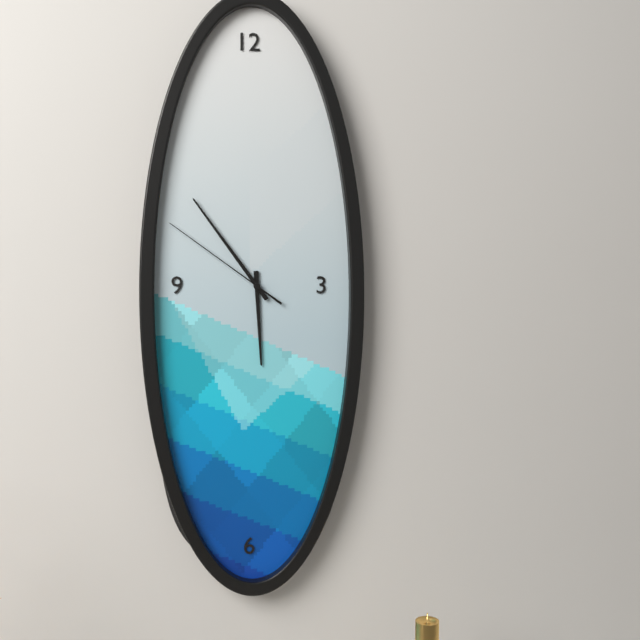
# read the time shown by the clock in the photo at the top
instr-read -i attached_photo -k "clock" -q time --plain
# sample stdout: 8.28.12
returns 5.54.51
